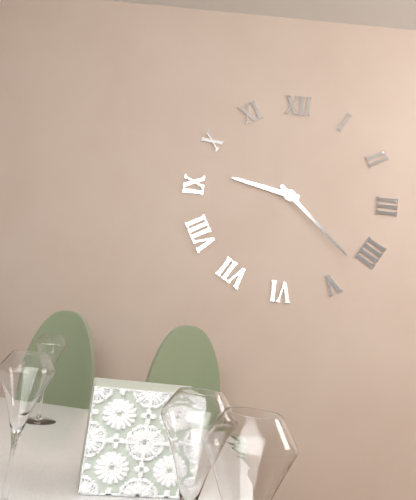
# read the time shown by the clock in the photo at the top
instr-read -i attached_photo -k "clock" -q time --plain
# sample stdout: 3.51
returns 9.22
